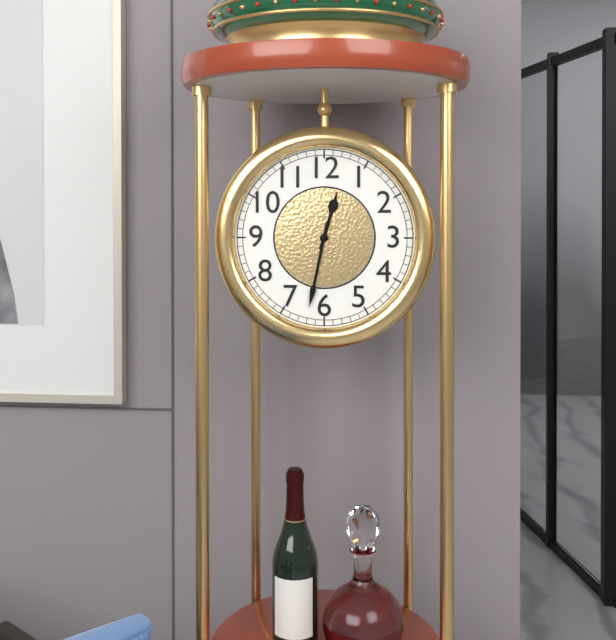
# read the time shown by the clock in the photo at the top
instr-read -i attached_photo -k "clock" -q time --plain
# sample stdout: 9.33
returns 12.32
